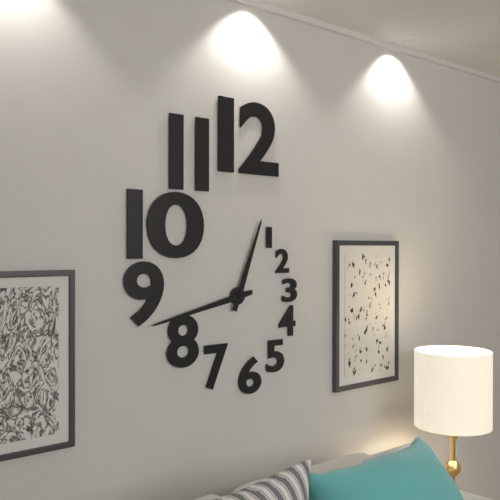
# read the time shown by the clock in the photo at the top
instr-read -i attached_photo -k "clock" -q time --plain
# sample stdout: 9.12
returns 12.43
